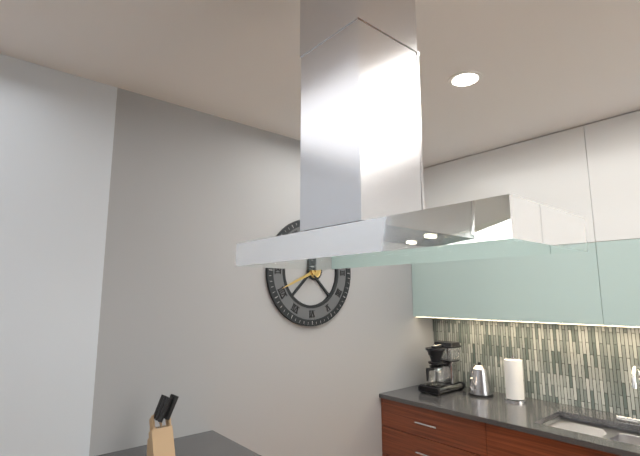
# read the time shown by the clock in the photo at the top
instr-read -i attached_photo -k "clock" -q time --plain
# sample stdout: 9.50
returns 10.41
